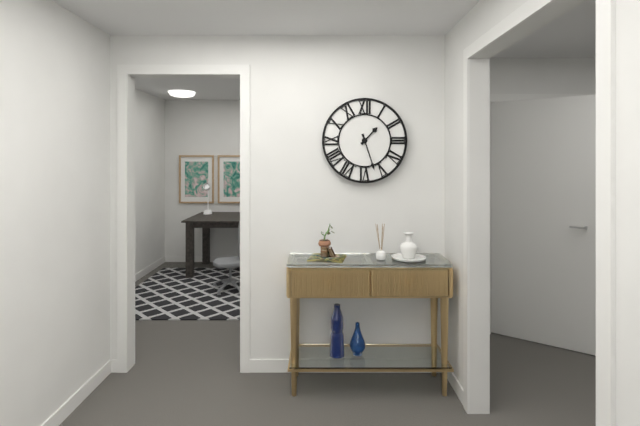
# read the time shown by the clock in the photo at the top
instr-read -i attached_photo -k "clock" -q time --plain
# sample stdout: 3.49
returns 1.27
